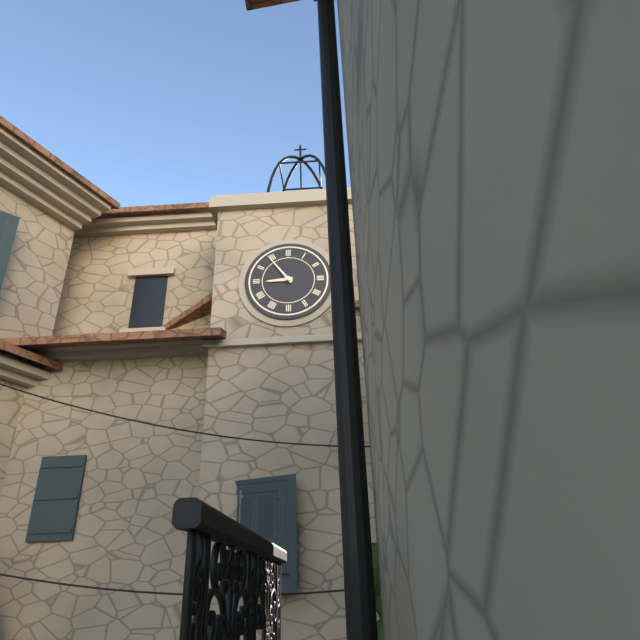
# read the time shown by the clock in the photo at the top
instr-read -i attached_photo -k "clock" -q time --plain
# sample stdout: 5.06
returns 8.54
